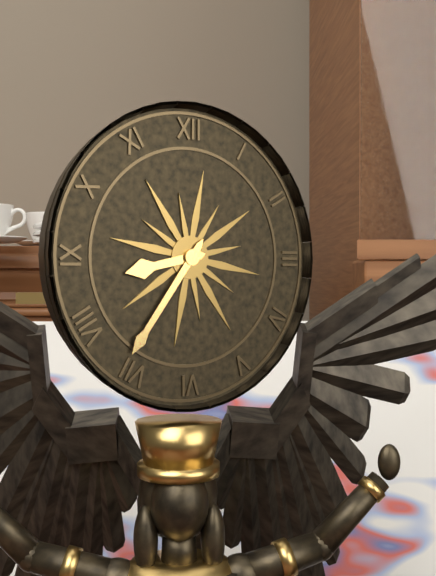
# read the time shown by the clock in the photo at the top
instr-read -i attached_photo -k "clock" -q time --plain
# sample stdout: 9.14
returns 8.36
